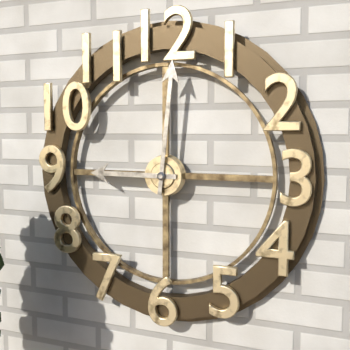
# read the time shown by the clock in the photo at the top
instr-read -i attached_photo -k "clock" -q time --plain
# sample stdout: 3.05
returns 9.01
